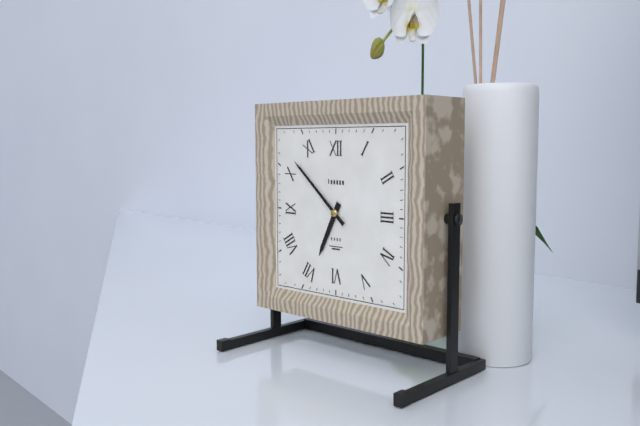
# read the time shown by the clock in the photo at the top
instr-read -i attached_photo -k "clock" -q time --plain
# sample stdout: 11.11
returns 6.52
